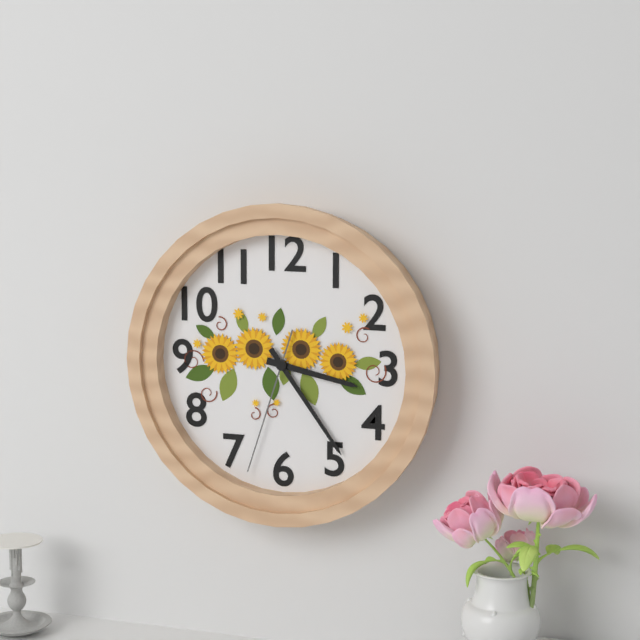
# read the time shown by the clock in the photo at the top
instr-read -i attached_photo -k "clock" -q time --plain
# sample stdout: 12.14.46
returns 3.24.33
